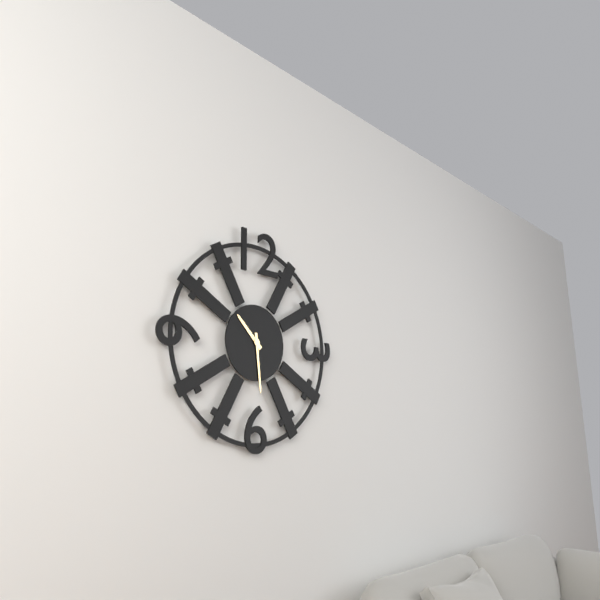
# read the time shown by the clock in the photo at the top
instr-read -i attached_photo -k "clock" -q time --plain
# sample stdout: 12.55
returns 10.29
